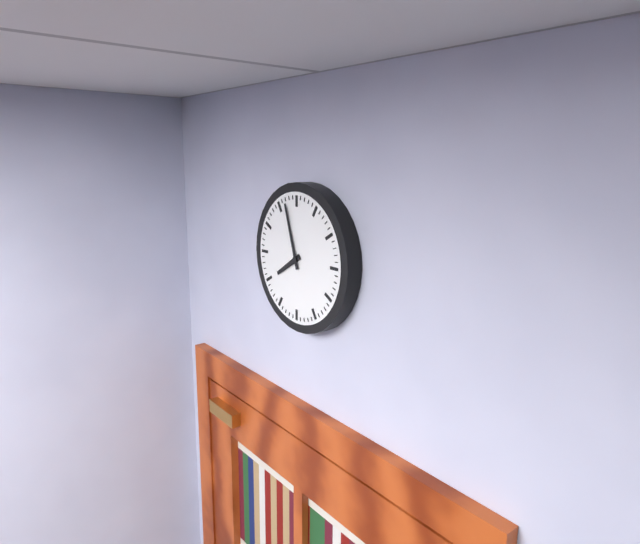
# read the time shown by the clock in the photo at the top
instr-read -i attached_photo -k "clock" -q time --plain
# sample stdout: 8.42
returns 7.57
